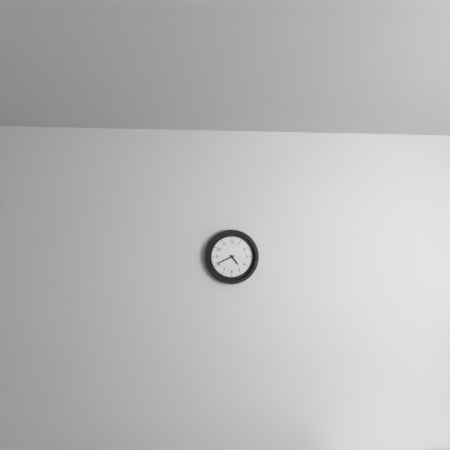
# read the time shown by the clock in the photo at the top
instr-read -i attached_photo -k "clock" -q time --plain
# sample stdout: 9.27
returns 4.41
